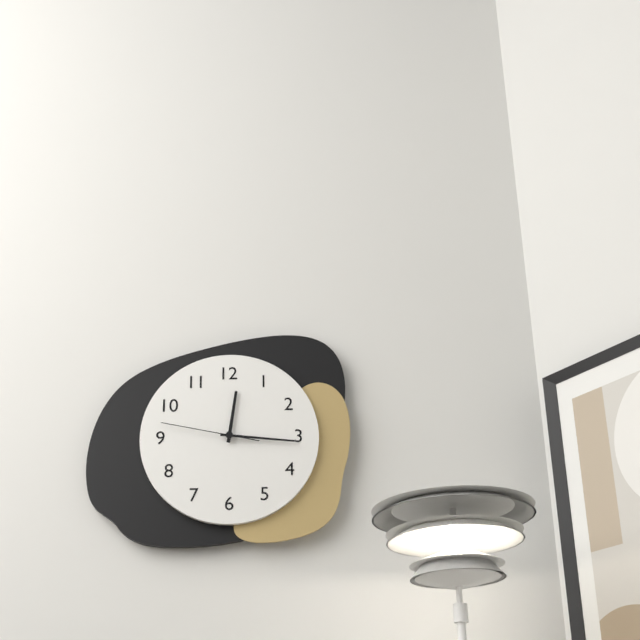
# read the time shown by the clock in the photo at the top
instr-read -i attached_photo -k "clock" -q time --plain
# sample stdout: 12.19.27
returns 12.16.47
